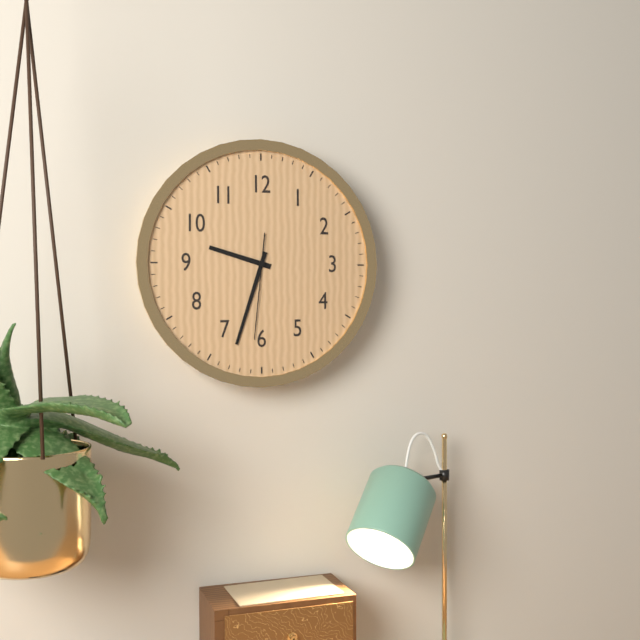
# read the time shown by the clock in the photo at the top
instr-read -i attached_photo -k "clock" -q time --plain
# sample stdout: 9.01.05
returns 9.33.31
